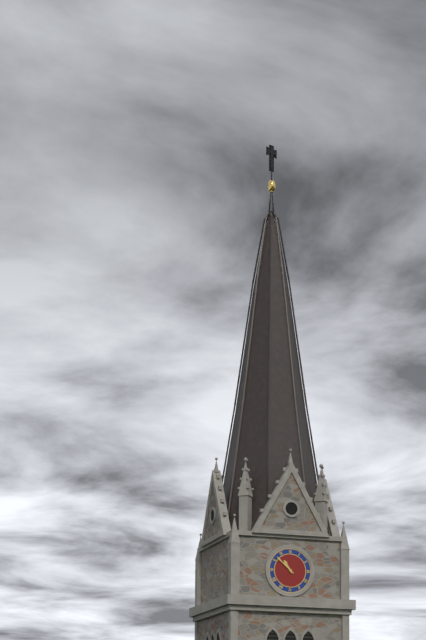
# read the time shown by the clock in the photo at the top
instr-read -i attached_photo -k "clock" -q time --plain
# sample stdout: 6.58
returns 10.52
